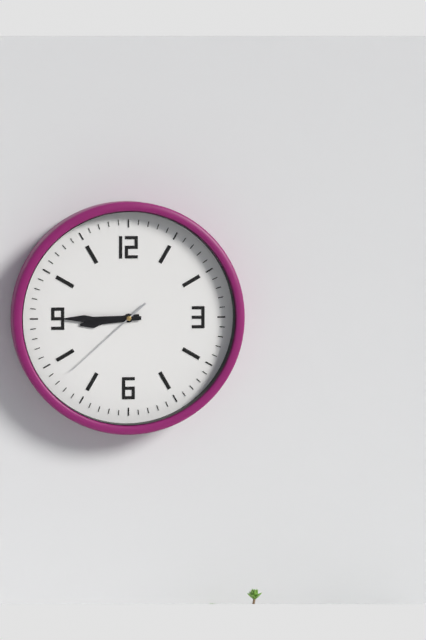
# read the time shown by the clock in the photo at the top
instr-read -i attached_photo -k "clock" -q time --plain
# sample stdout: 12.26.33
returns 8.45.38
